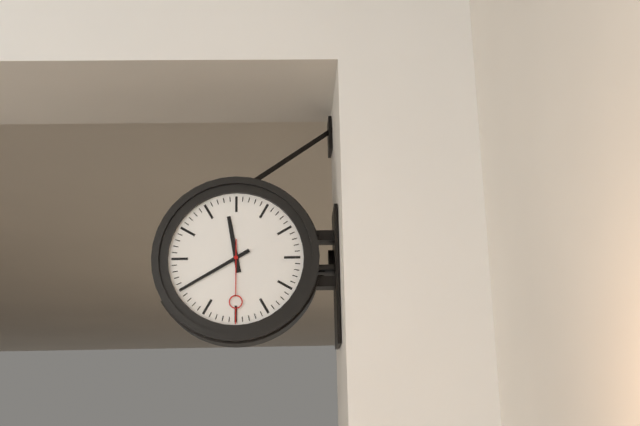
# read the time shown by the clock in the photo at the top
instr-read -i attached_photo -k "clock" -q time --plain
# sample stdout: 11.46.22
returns 11.40.30
